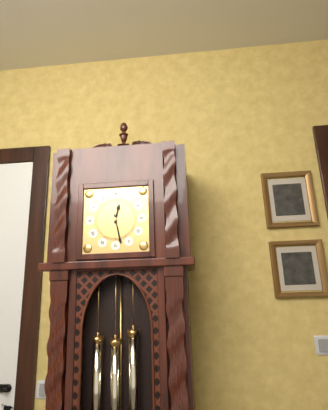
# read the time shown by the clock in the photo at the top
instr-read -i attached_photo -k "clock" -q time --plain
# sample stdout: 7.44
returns 12.28
